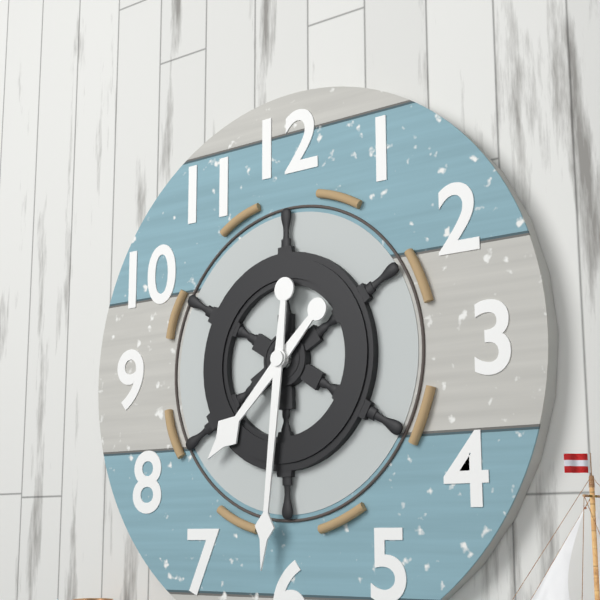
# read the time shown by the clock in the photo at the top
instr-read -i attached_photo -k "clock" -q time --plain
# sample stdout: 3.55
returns 7.31
